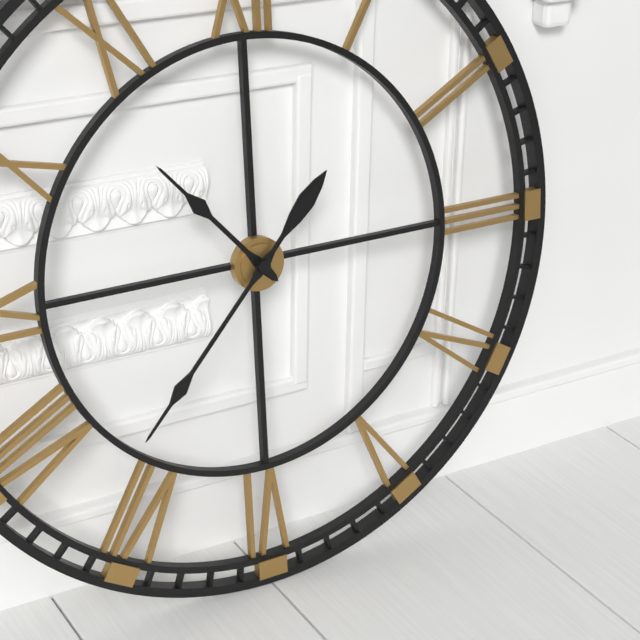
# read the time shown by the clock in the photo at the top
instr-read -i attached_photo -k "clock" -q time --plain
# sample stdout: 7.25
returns 10.37
